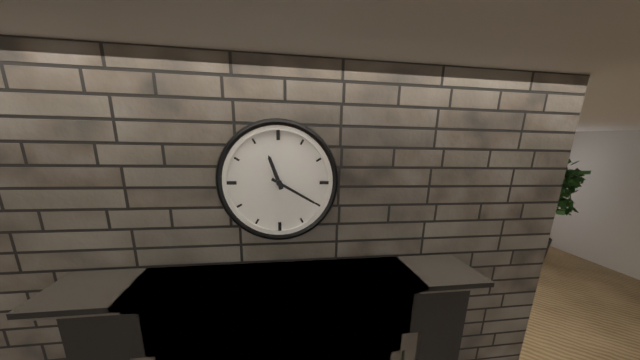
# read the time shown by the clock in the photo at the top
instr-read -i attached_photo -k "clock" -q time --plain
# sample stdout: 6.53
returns 11.20
